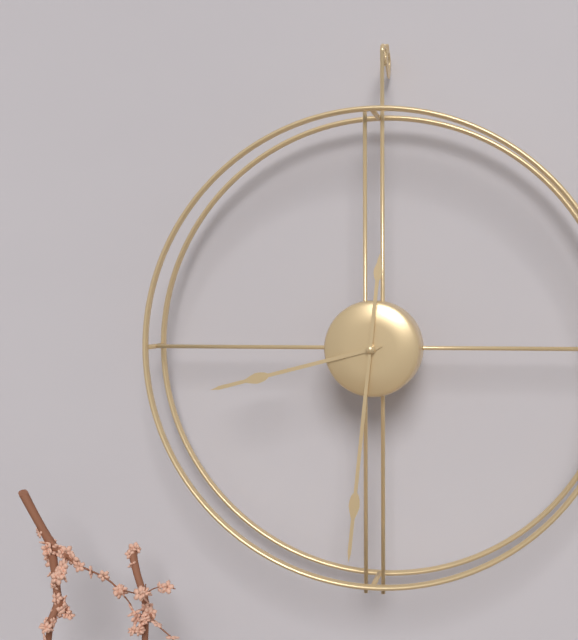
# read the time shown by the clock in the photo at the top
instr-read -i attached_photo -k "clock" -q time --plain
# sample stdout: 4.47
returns 8.31
